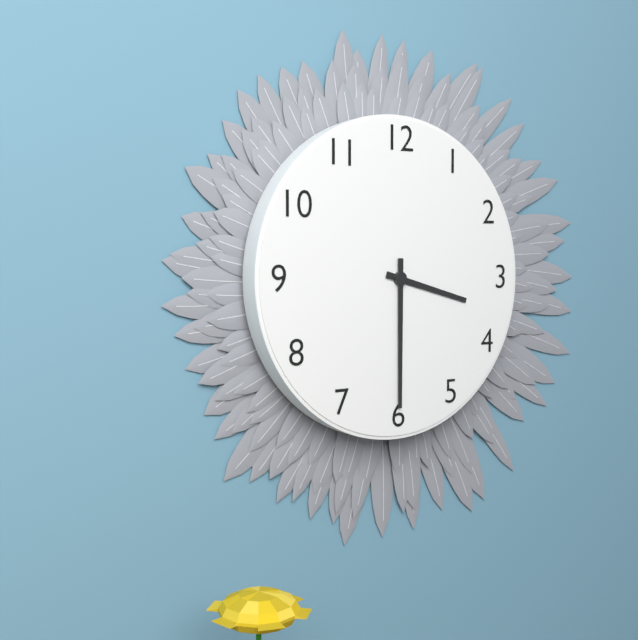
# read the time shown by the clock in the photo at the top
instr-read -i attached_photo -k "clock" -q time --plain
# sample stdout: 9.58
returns 3.30
